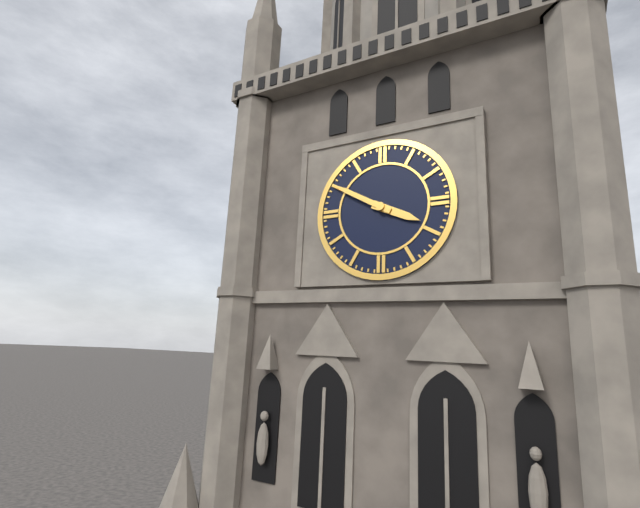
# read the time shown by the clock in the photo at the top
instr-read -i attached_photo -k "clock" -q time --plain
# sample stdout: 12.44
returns 3.50
